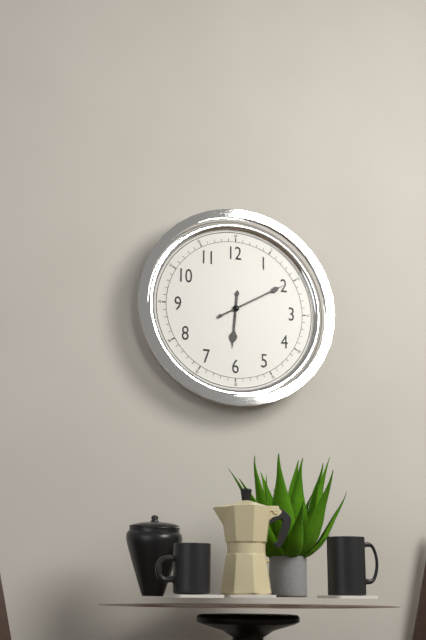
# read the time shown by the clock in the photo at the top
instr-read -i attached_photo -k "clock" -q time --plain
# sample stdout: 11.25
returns 6.10
